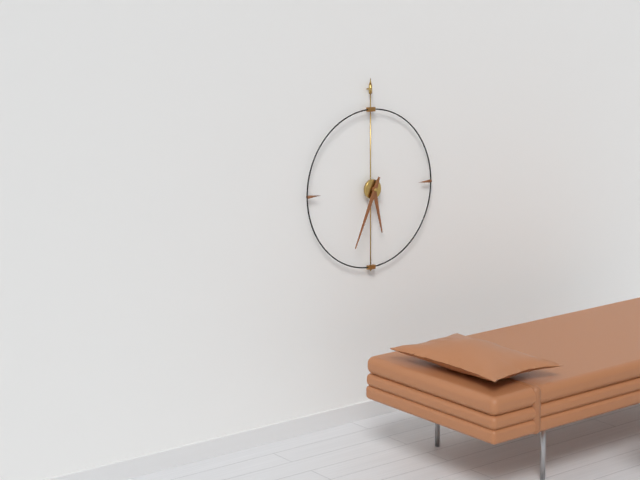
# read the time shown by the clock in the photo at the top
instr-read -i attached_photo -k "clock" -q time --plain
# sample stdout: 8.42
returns 5.34
